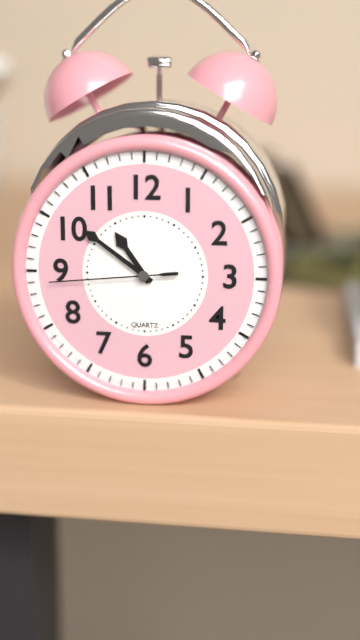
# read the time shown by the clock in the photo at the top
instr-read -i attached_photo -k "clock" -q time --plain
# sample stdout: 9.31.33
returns 10.51.44
